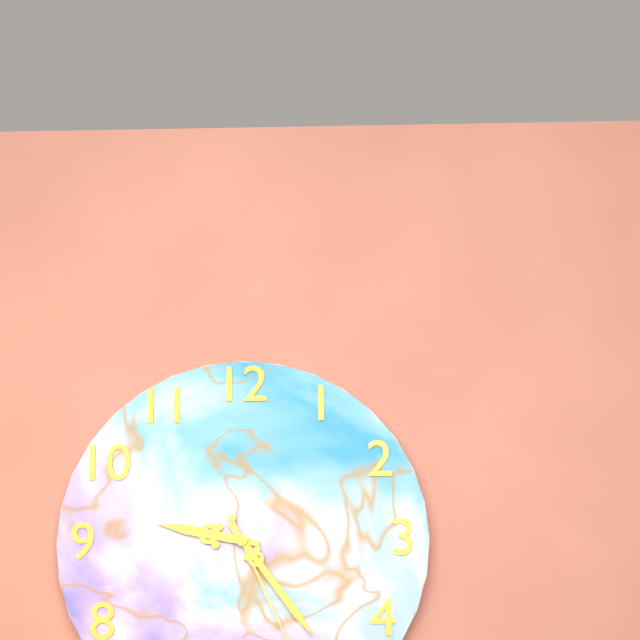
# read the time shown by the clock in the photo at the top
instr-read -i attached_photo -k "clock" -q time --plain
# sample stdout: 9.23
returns 9.24
